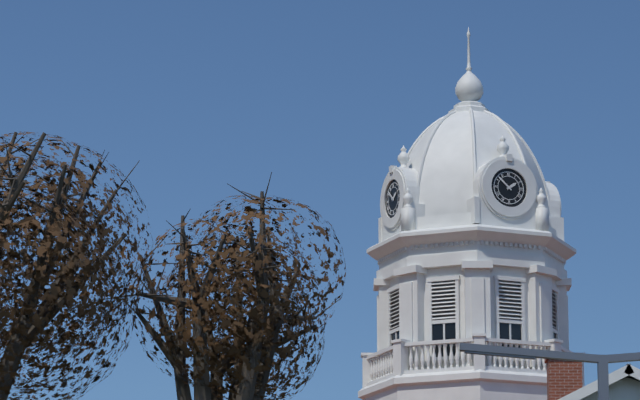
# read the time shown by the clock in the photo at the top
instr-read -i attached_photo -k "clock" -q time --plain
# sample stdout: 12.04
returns 1.52
